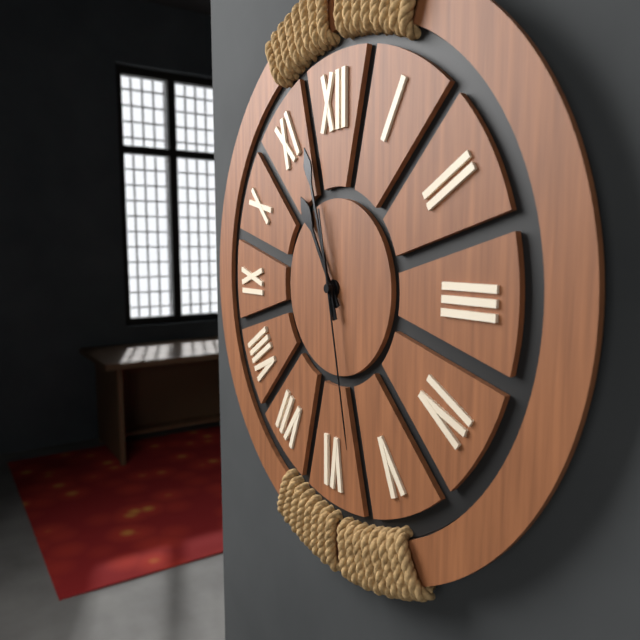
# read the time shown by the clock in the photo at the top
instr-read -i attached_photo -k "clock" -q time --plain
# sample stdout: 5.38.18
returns 10.57.28
